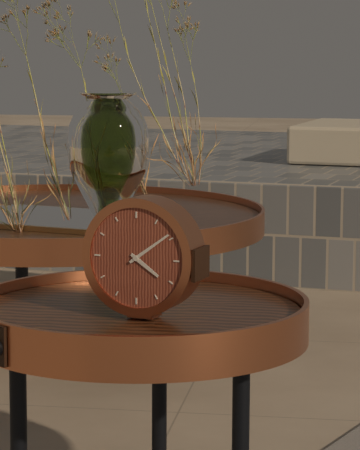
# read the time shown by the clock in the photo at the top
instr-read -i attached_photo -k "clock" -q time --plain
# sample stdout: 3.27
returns 4.09
